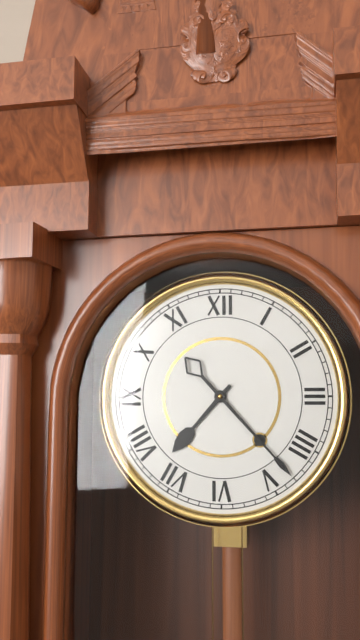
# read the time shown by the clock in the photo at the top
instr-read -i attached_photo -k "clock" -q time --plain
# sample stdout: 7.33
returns 7.23
